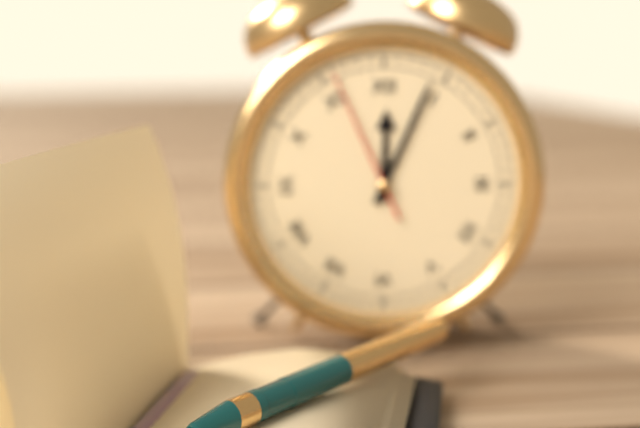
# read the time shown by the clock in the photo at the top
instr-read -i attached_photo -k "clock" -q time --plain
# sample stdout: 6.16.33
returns 12.04.56
